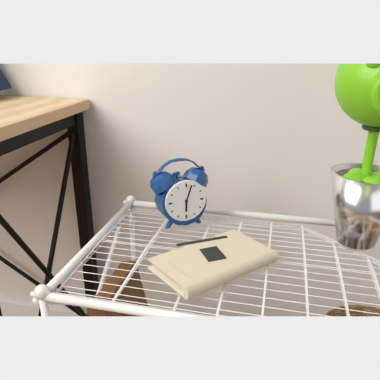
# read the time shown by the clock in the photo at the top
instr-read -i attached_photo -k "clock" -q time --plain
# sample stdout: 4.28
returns 6.03
